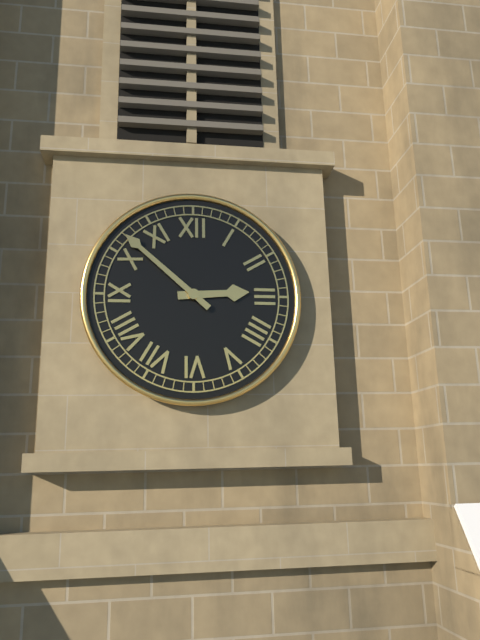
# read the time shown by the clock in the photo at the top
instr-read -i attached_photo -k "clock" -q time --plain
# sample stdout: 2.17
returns 2.52
